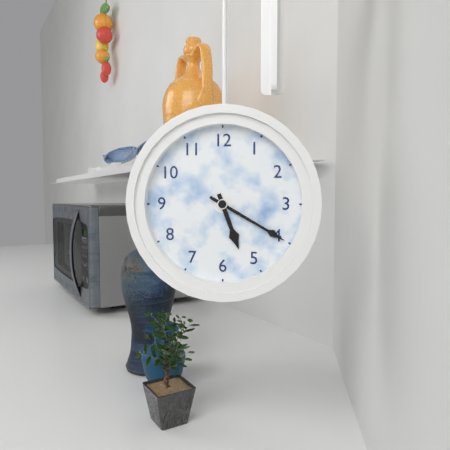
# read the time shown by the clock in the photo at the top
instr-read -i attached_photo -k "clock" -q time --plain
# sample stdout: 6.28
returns 5.20
